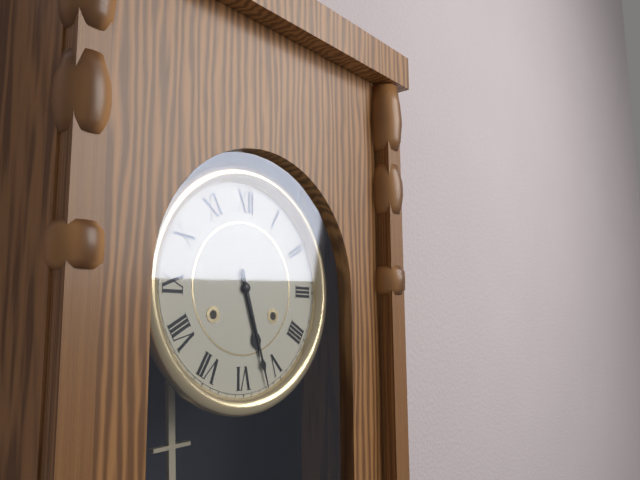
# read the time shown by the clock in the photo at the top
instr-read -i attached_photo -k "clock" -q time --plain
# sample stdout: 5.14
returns 5.27
